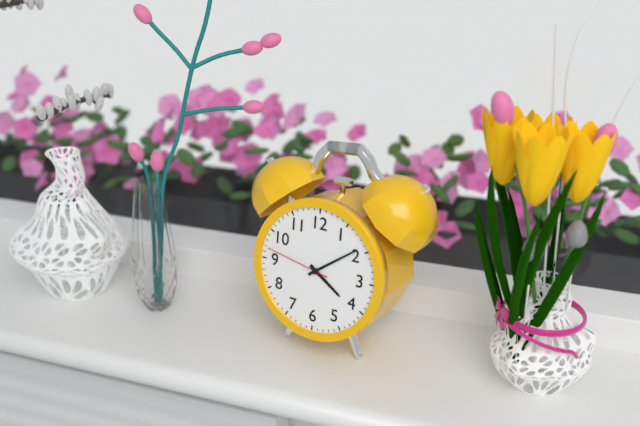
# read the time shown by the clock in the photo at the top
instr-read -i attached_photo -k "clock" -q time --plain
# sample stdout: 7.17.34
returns 4.09.47
